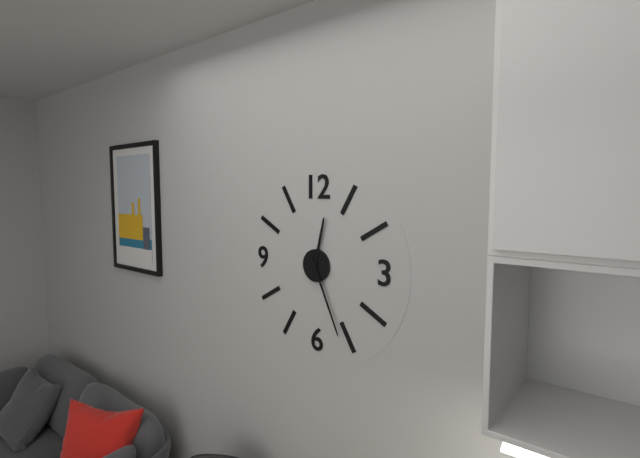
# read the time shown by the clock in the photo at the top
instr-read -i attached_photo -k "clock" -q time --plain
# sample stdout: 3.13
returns 12.26
